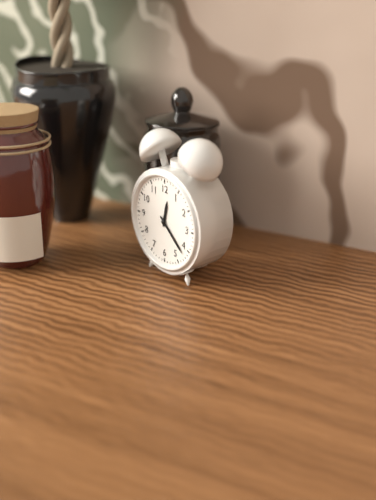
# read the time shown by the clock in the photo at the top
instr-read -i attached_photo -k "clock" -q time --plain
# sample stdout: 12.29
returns 12.22
